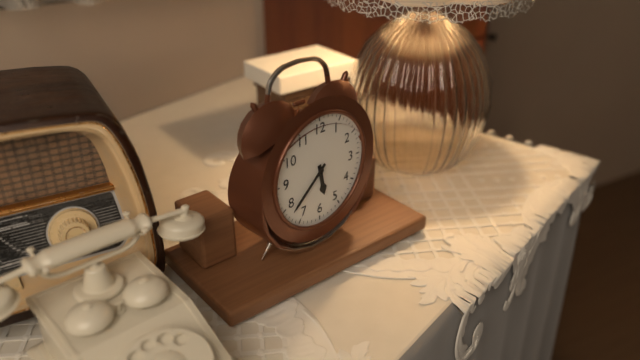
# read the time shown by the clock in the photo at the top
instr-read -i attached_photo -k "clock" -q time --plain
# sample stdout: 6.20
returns 5.38
